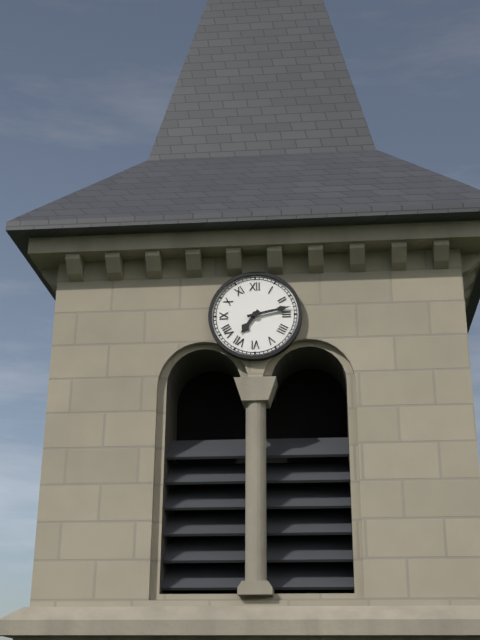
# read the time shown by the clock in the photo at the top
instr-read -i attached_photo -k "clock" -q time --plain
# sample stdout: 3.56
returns 7.13
